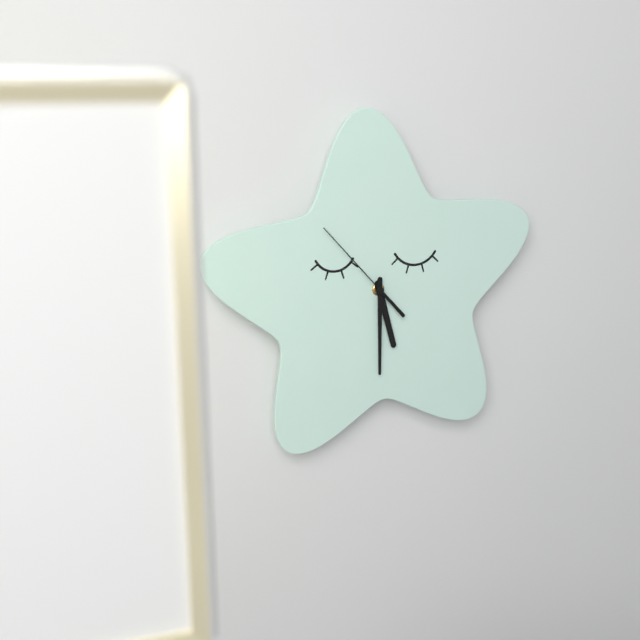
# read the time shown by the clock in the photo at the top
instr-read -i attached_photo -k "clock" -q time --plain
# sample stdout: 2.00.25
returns 5.30.53
